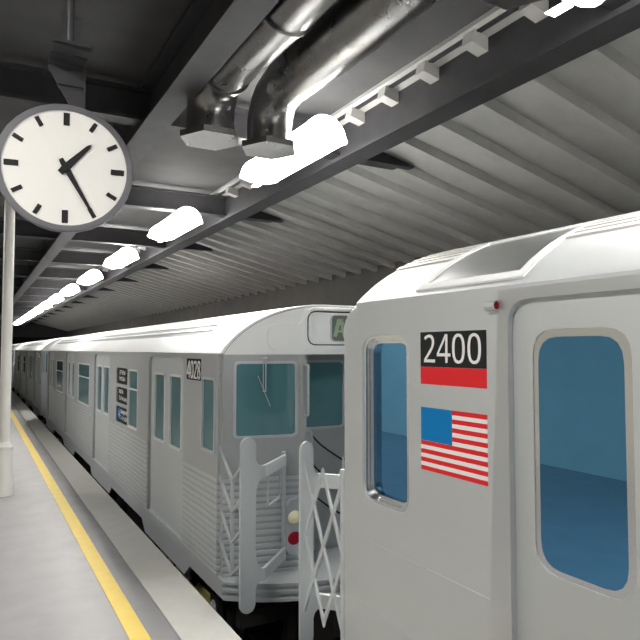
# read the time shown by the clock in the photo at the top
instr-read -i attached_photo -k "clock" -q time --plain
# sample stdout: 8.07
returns 1.25
